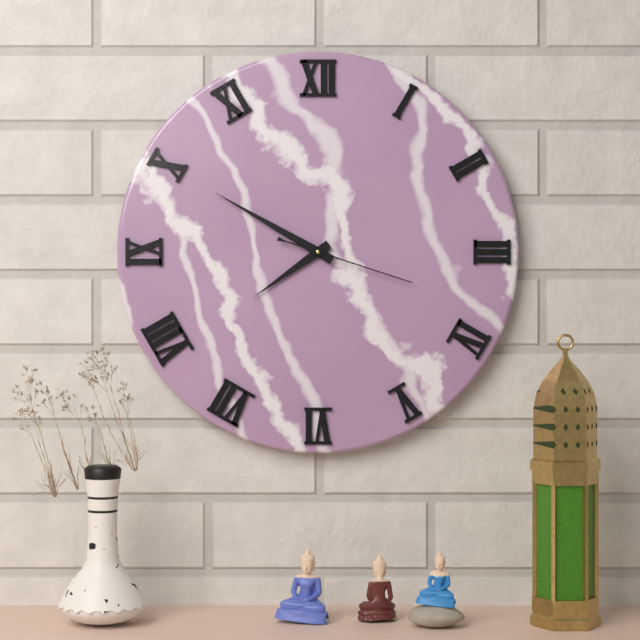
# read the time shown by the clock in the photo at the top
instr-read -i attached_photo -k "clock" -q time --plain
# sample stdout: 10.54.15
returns 7.50.18
